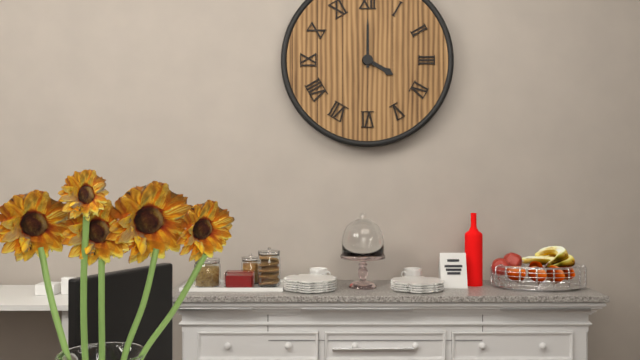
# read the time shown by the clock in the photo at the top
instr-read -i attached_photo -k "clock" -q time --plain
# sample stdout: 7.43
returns 4.00
